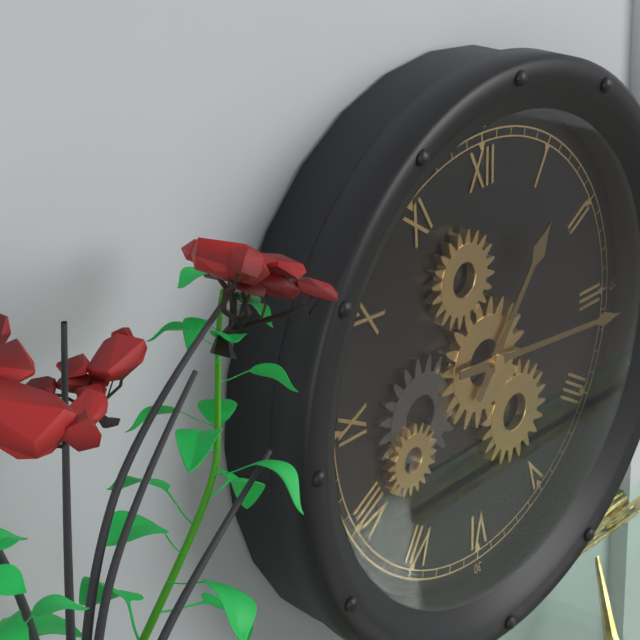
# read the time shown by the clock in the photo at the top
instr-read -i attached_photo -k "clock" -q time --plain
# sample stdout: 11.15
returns 1.16
